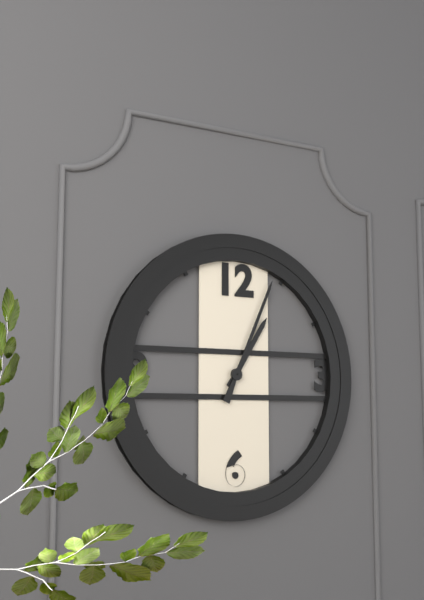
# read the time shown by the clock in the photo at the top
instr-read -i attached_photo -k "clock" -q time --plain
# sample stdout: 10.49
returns 1.04
